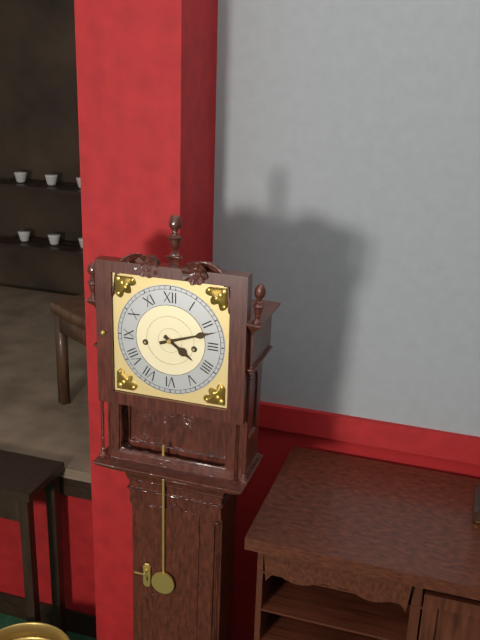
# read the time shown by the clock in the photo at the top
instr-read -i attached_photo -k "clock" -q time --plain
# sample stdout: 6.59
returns 4.12
